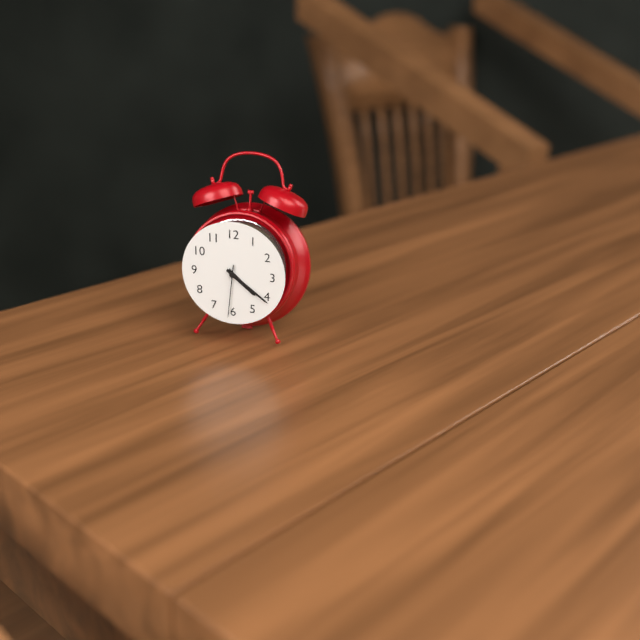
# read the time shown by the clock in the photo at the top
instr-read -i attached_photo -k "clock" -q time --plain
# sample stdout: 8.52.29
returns 4.21.31
